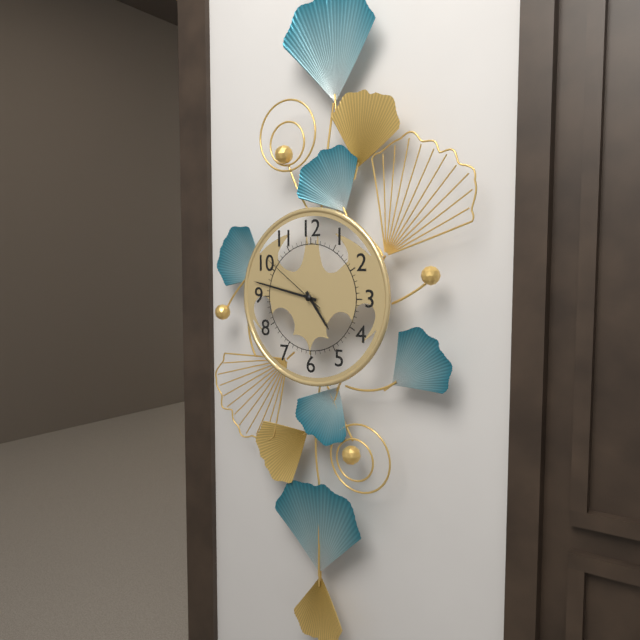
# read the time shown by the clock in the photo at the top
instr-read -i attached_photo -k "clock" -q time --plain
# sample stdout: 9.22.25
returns 4.47.51
